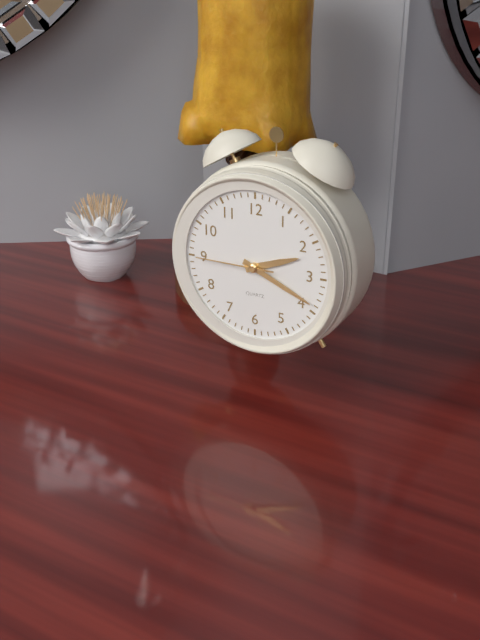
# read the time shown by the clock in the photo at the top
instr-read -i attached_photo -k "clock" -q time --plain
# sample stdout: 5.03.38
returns 2.19.45
